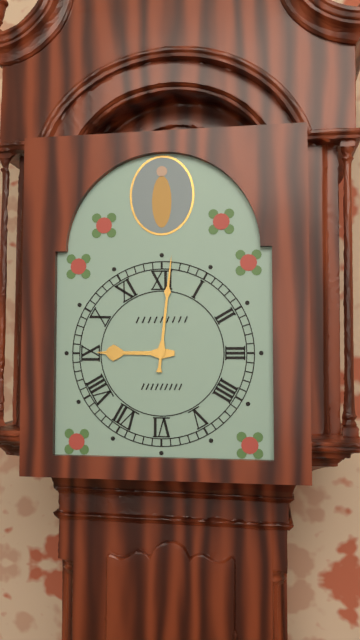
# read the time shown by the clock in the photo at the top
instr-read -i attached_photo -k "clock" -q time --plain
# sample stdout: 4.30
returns 9.01
